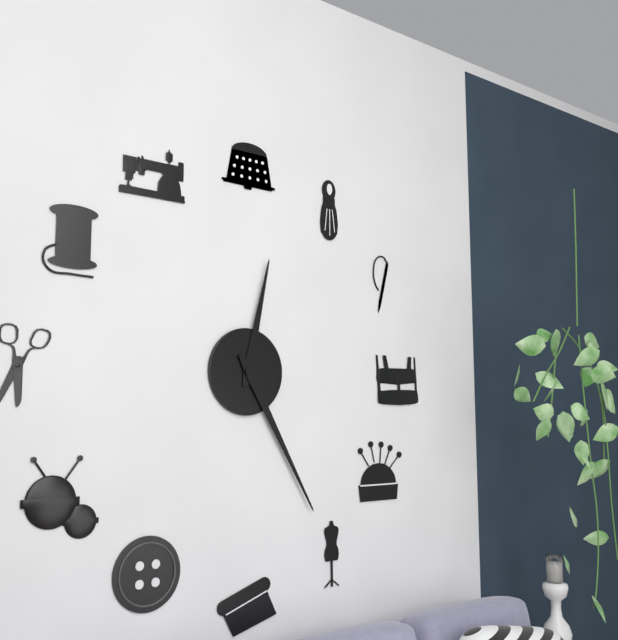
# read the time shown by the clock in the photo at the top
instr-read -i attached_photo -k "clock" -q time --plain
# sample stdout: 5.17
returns 12.25
